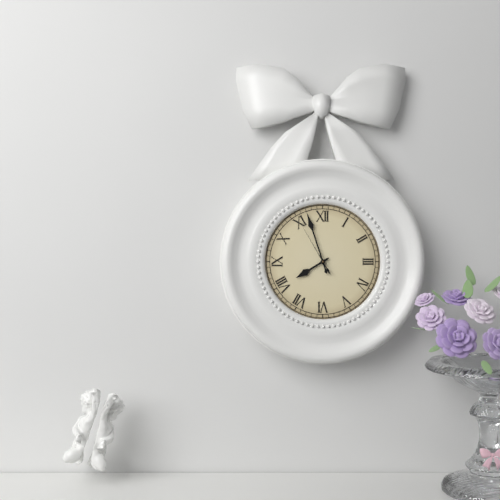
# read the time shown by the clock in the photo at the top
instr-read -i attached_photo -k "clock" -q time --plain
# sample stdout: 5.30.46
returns 7.57.55
